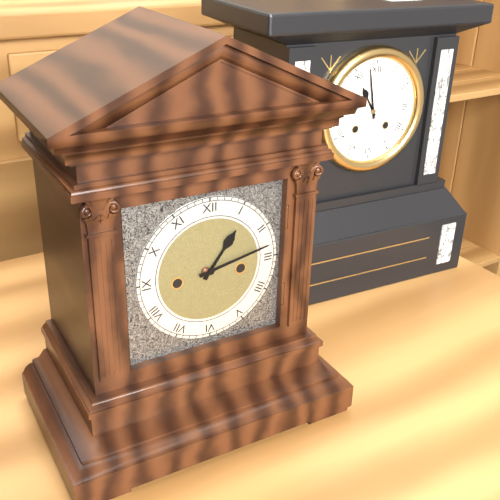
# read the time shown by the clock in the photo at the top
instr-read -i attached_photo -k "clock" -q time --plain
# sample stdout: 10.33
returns 1.13
